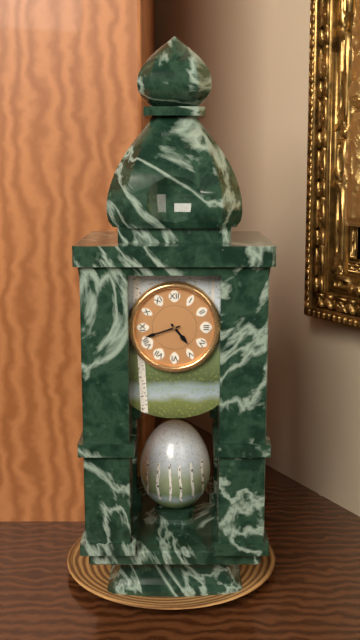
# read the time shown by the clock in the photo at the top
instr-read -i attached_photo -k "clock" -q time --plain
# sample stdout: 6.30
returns 4.42
